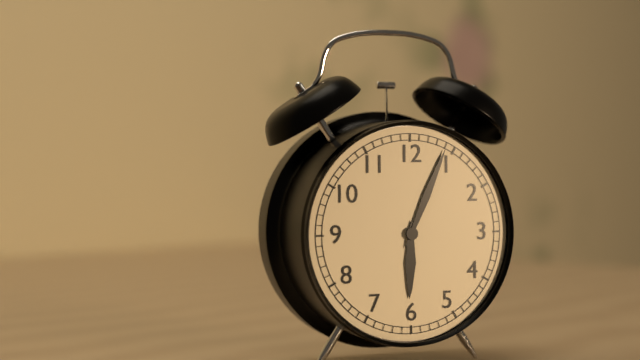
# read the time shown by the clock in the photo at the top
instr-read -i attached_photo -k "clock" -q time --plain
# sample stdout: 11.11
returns 6.04
